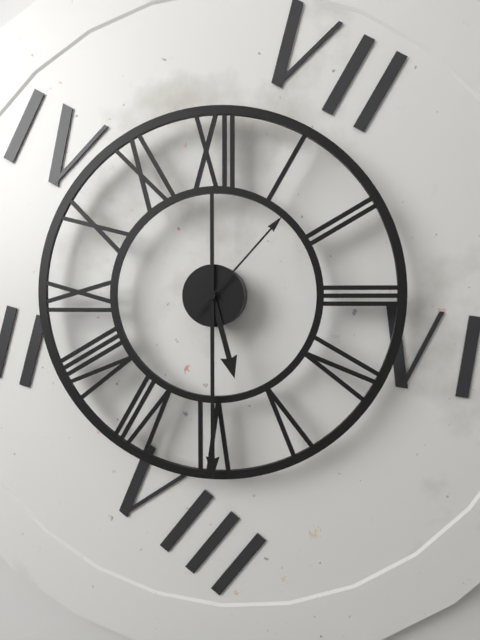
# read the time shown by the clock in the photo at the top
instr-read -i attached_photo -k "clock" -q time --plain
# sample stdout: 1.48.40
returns 5.30.07
